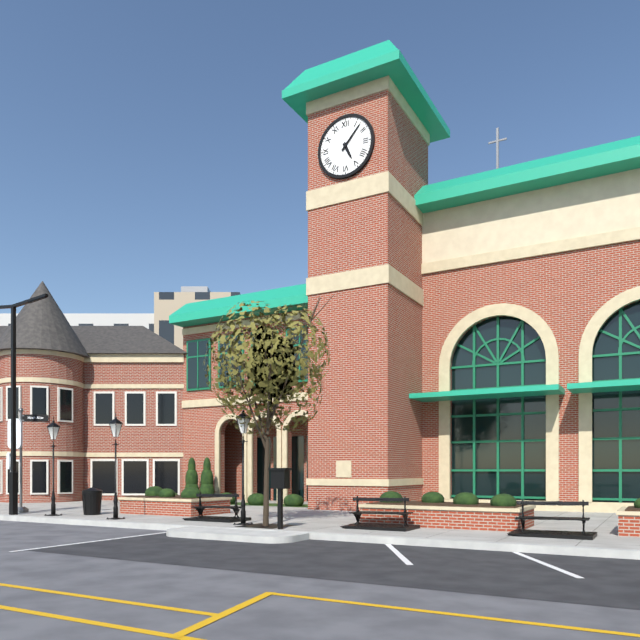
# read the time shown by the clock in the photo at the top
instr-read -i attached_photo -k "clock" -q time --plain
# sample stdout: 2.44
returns 5.07
